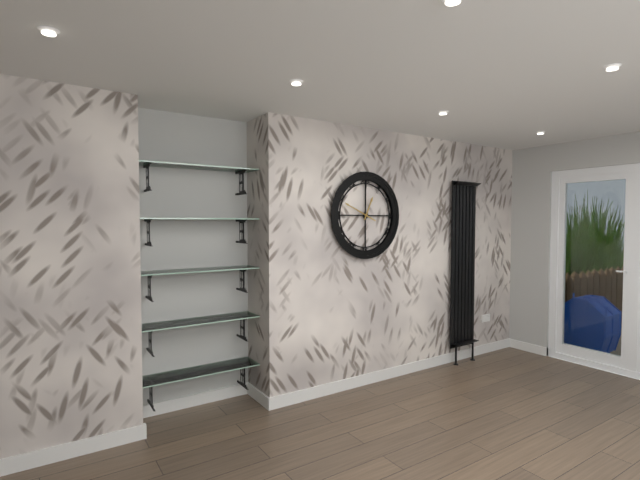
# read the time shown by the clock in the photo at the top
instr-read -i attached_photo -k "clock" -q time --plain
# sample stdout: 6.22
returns 12.49
